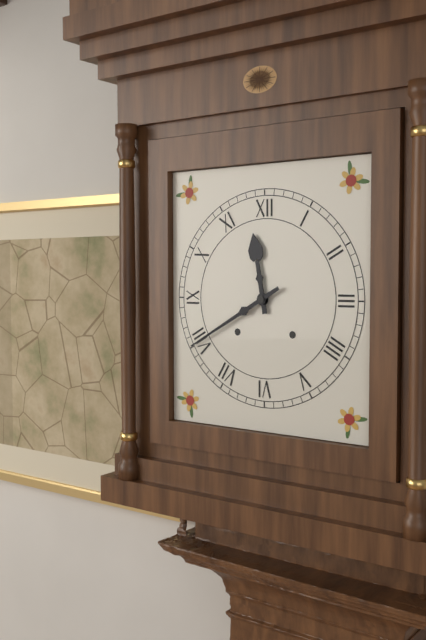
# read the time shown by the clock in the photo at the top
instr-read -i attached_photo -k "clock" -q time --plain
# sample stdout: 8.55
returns 11.40
